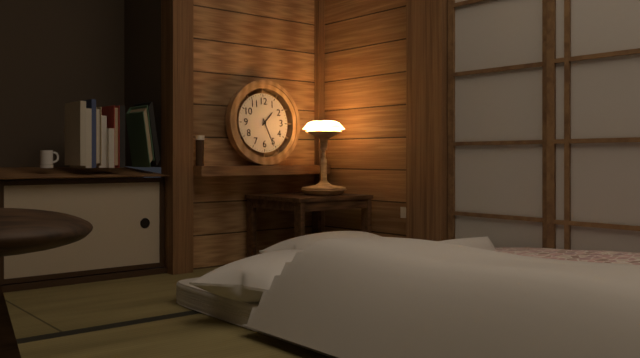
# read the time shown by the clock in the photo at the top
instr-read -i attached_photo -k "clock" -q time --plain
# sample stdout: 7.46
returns 1.26
